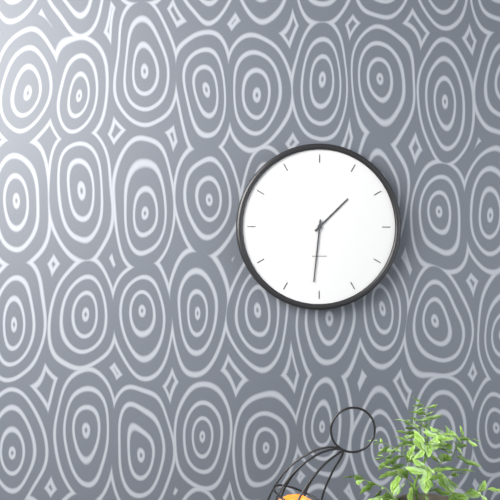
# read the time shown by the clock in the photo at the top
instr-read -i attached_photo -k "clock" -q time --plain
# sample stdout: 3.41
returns 1.31
